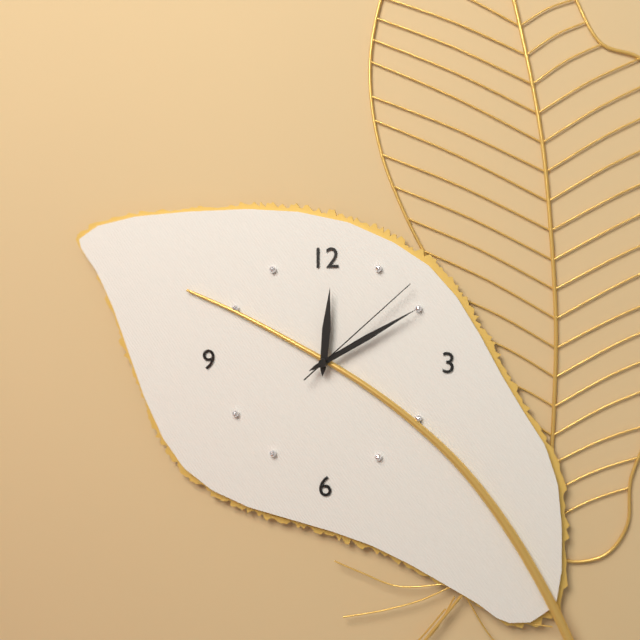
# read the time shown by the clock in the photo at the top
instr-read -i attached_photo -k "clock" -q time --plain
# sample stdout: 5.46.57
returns 12.10.08
